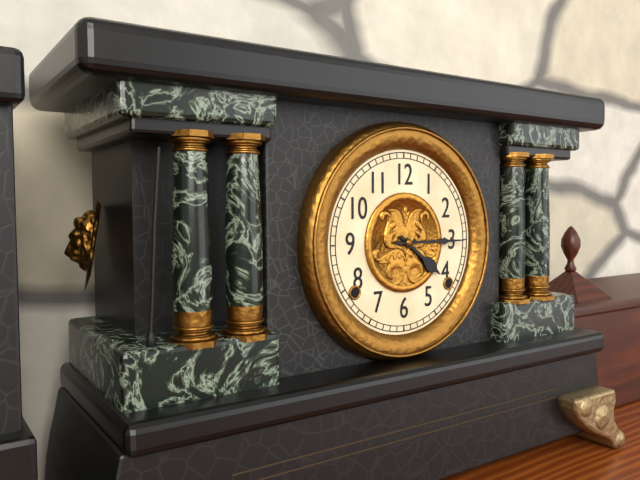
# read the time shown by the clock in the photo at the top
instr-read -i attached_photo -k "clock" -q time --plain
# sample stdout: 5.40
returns 4.15
